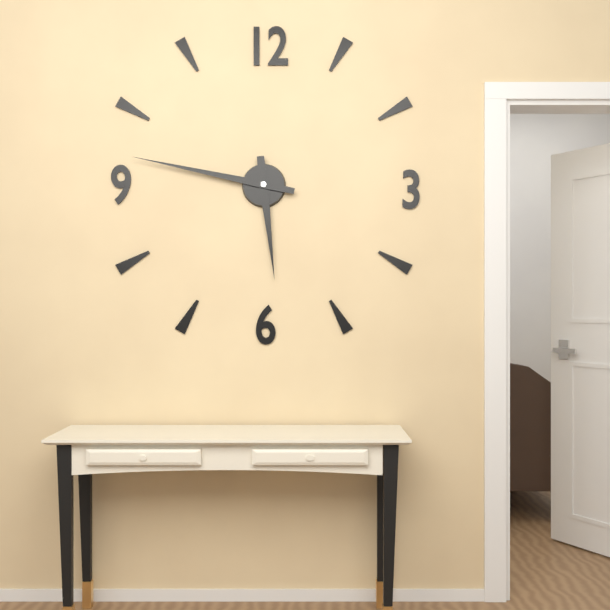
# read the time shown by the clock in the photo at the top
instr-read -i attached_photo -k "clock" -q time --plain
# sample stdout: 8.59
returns 5.47
